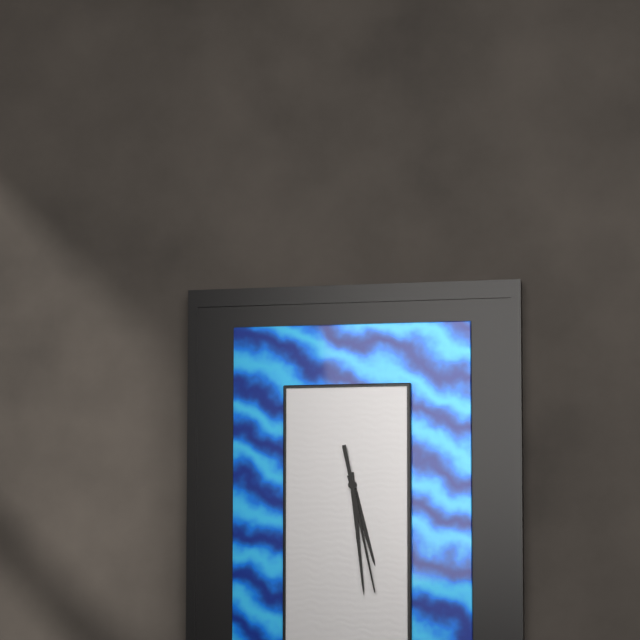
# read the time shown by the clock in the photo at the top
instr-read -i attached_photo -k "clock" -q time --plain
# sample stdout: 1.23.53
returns 5.29.28
